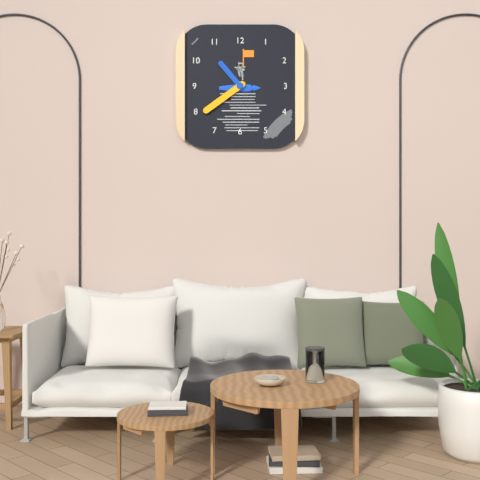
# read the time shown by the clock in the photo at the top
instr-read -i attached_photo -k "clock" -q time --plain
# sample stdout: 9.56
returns 10.39
